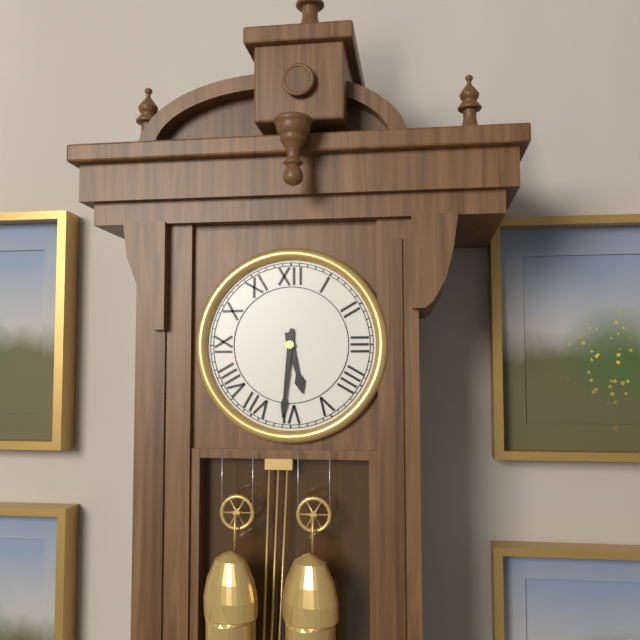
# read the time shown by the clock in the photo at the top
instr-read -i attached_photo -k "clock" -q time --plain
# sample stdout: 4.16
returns 5.31
